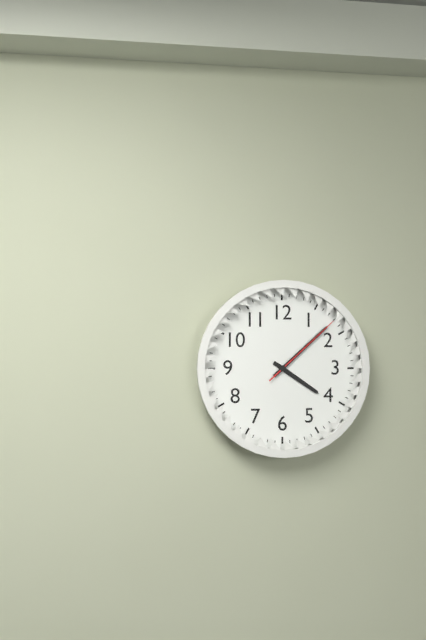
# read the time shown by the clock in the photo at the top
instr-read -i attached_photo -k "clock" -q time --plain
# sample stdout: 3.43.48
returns 4.08.08
